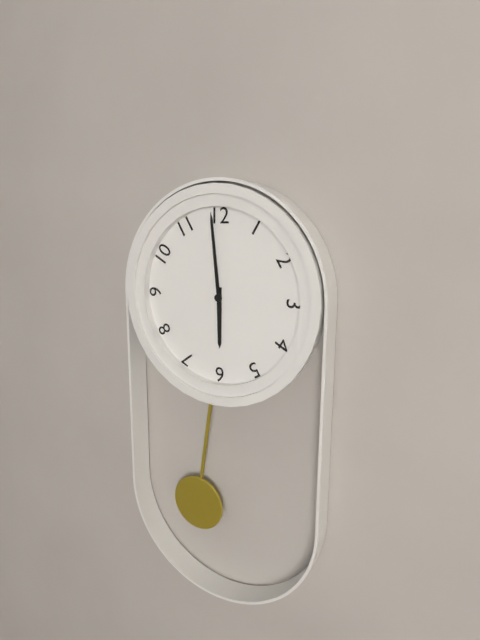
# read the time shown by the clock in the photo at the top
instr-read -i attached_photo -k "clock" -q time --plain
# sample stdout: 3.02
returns 5.59
